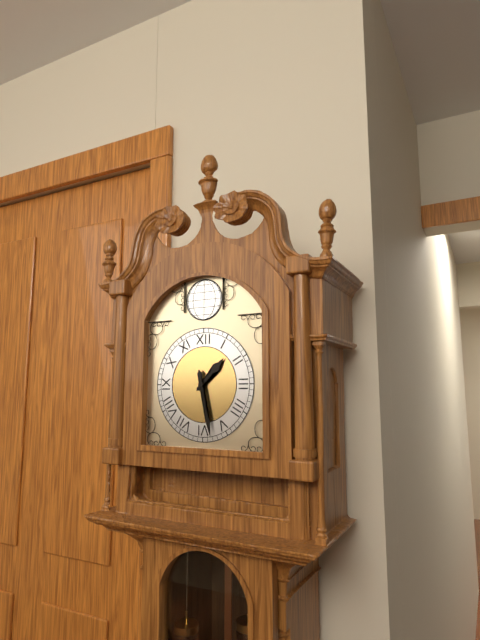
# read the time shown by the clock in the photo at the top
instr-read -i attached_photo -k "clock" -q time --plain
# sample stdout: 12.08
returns 1.28
